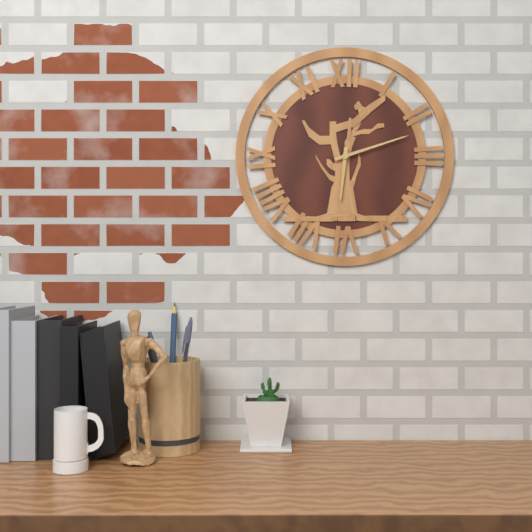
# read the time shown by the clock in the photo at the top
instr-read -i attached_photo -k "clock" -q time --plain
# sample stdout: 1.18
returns 6.12
